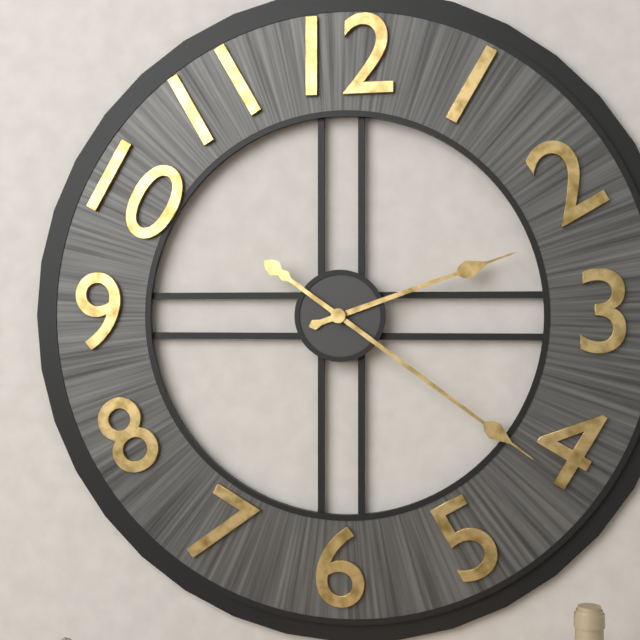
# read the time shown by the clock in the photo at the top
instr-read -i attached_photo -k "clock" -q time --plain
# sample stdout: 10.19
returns 2.21
